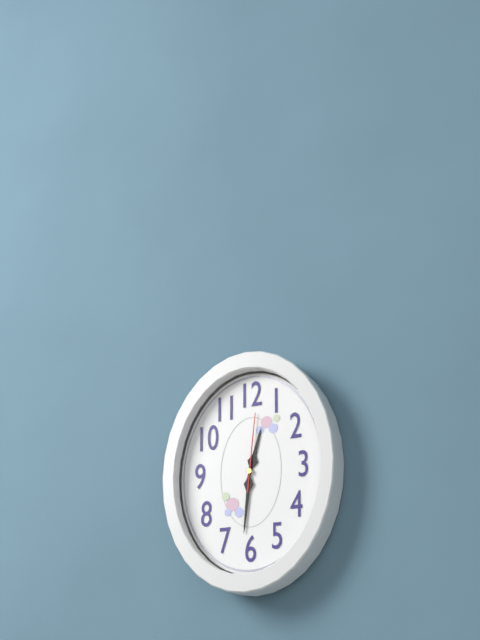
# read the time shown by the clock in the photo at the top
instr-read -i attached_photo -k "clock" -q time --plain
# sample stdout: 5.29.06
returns 12.31.01
